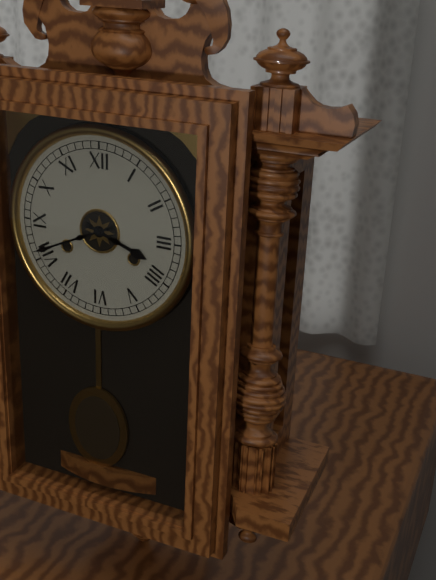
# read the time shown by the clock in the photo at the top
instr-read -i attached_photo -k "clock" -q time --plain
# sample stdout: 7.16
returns 3.41
